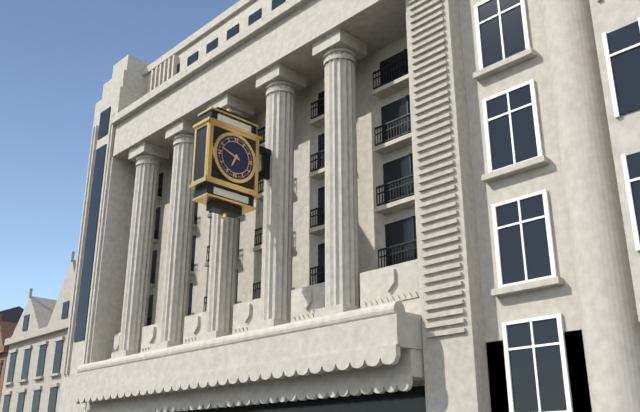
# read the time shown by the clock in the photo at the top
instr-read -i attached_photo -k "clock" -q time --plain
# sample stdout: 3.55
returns 6.48
